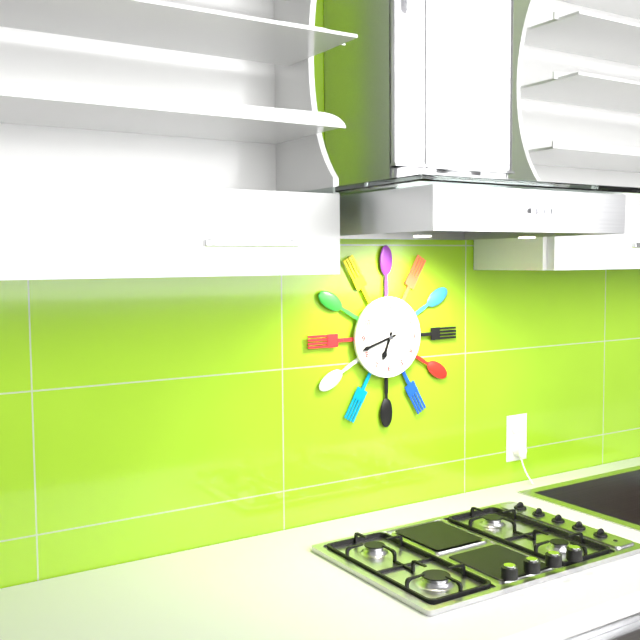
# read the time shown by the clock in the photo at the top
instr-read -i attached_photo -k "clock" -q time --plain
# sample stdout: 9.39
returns 6.42
